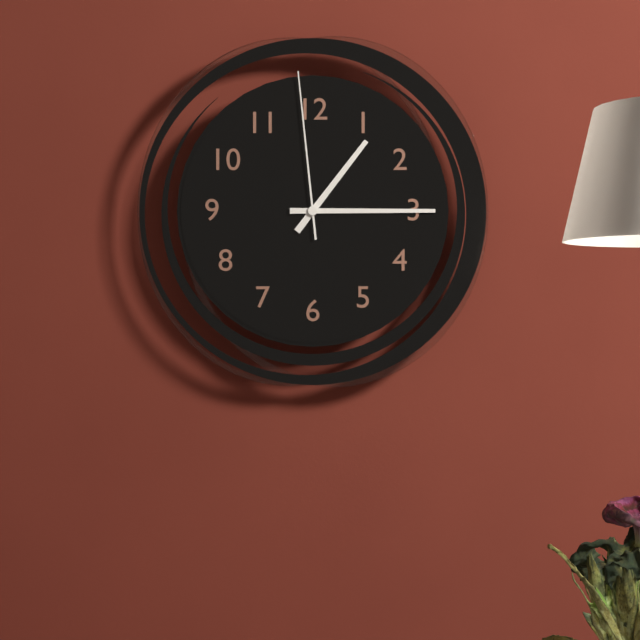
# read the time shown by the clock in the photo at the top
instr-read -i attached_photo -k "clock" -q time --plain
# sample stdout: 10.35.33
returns 1.15.59
